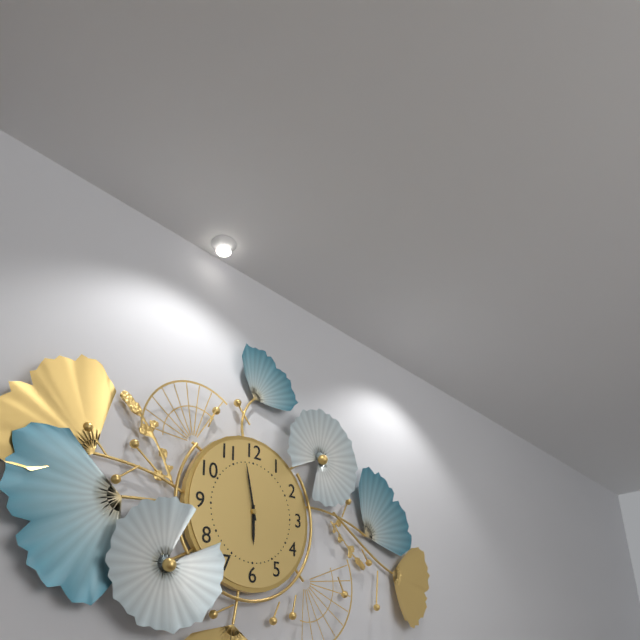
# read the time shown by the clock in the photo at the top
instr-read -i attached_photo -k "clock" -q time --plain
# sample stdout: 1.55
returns 5.58
